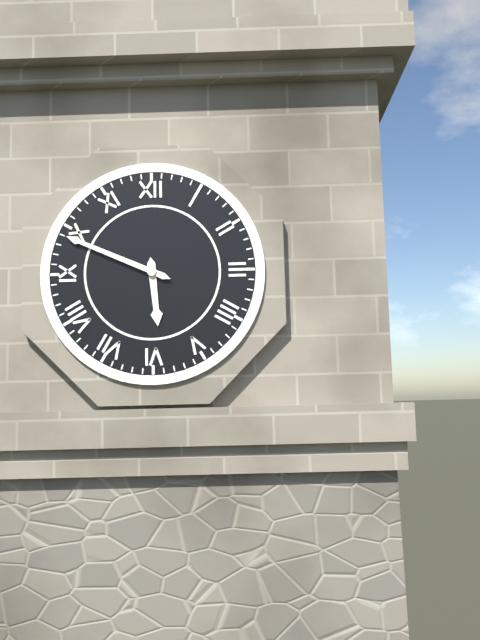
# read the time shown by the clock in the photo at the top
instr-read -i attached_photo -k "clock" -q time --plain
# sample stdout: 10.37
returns 5.49
